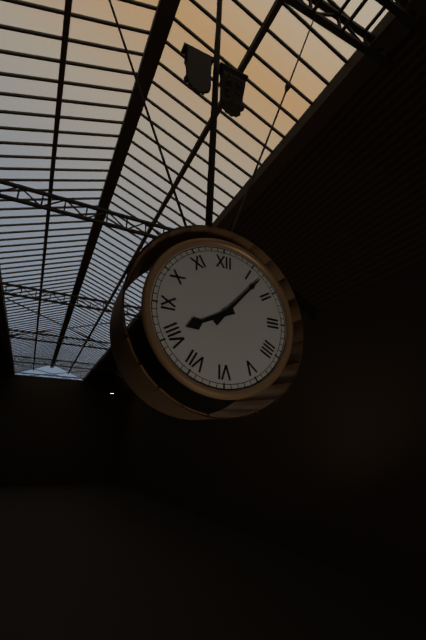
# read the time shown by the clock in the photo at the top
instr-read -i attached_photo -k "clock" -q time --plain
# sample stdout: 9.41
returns 8.07
